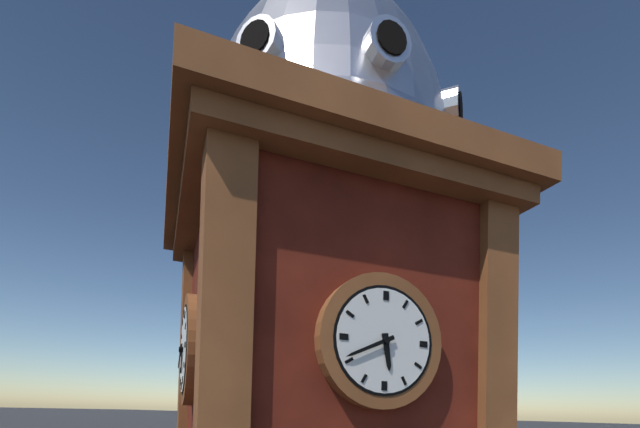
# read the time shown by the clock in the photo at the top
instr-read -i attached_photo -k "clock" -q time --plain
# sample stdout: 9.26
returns 5.41
